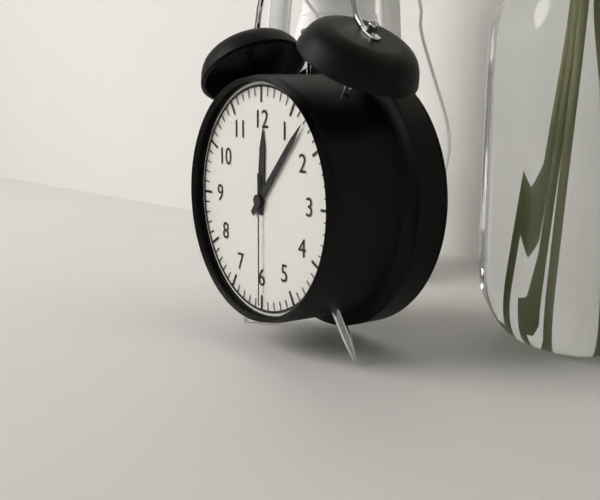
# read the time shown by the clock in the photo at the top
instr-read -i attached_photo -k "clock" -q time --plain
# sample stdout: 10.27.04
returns 12.07.30
